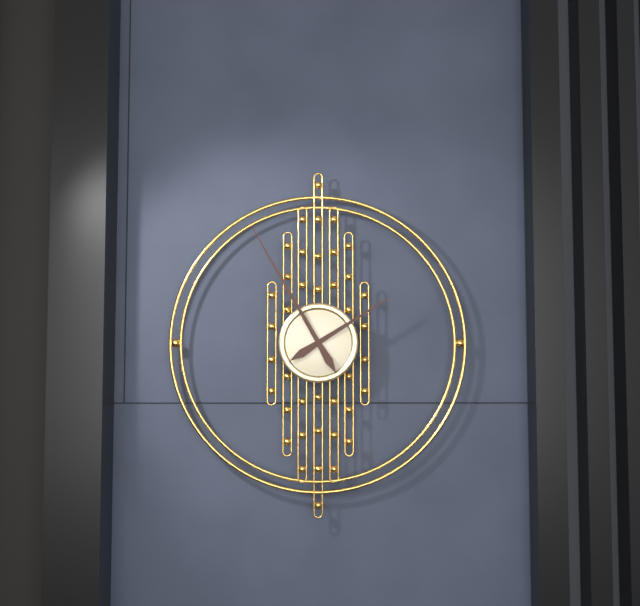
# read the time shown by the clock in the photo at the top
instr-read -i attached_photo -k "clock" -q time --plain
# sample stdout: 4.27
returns 1.55
